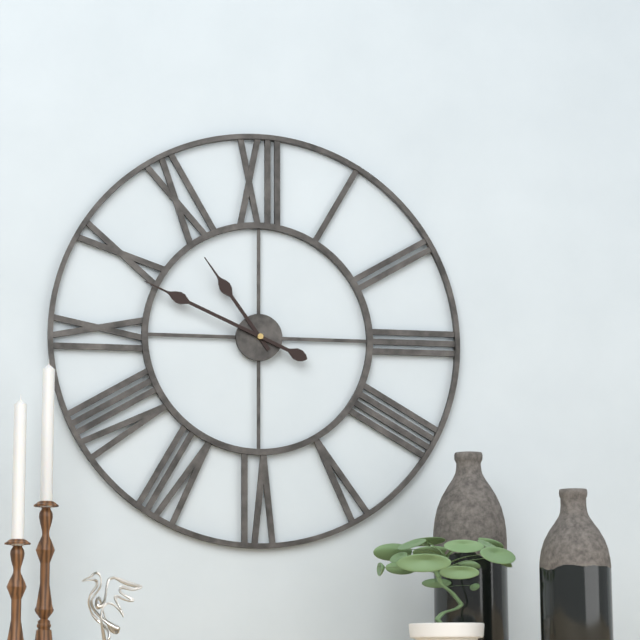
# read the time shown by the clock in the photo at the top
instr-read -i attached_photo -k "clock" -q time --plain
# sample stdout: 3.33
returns 10.49
